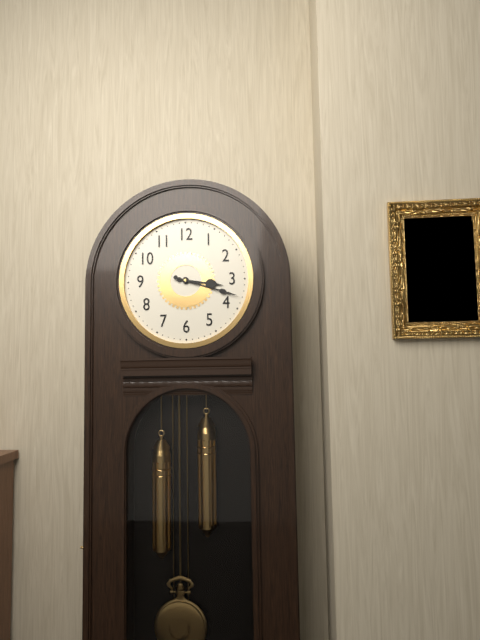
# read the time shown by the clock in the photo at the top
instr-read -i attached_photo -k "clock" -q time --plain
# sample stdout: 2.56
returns 3.18
